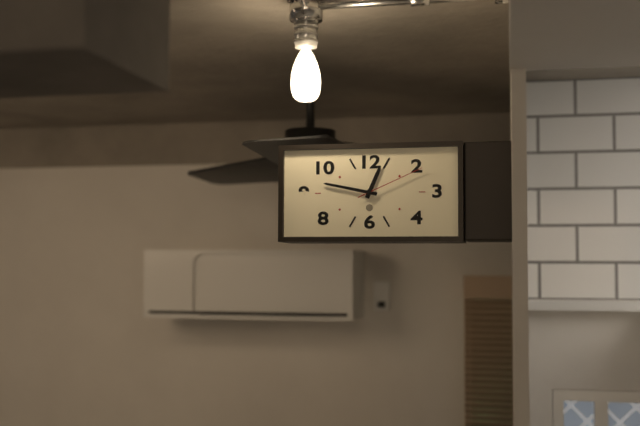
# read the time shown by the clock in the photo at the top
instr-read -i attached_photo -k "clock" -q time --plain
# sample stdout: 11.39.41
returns 12.47.11
